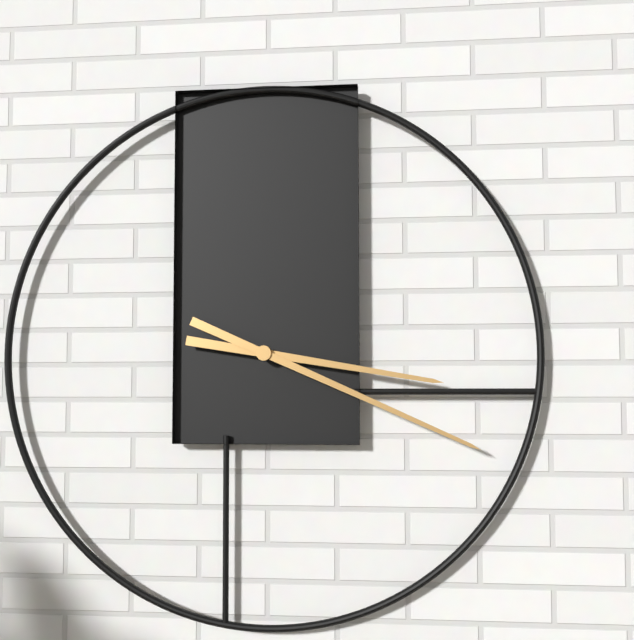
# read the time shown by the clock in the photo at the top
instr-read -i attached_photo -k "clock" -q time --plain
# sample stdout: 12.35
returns 3.19
